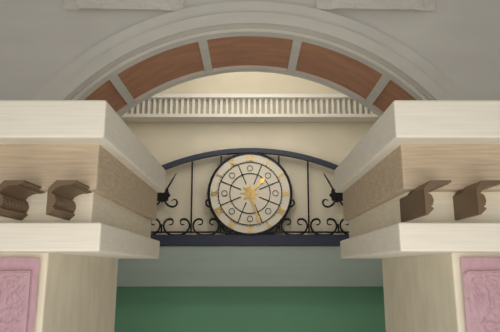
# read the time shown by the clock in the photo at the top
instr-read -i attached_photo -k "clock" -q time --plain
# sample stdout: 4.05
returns 1.27
